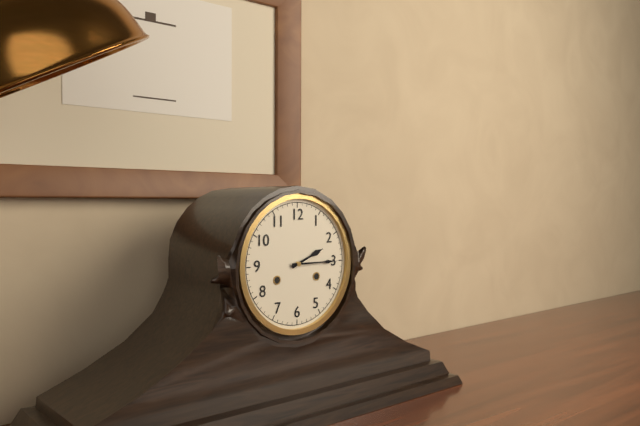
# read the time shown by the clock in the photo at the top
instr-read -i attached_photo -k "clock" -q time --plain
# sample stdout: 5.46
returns 2.15
